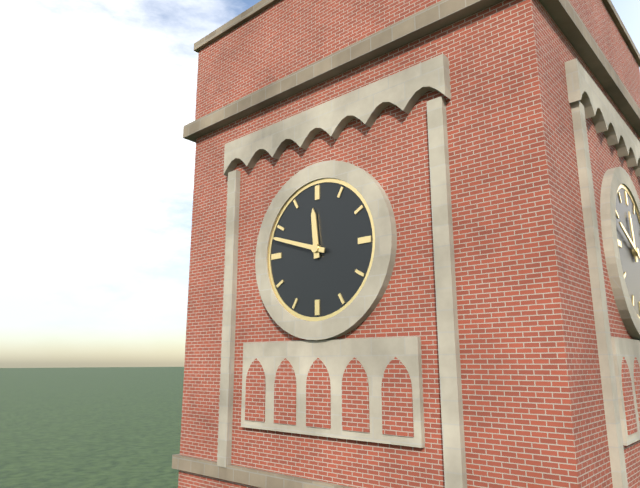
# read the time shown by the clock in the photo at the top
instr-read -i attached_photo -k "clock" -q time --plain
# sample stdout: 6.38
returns 11.48
